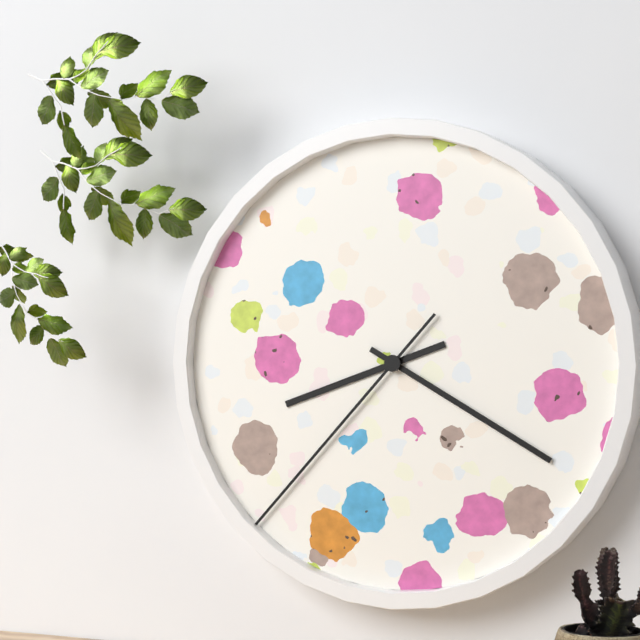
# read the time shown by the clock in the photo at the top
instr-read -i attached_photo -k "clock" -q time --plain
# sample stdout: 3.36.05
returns 8.20.37
